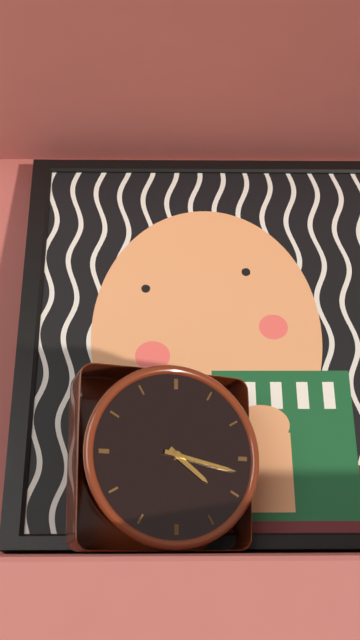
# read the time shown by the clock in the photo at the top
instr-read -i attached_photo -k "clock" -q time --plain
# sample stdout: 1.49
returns 4.17
